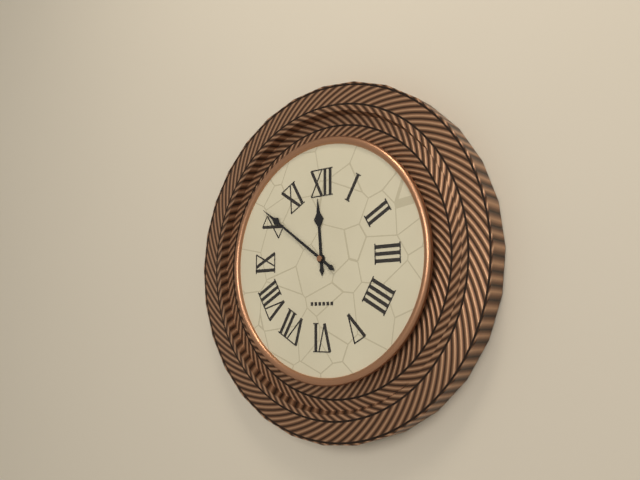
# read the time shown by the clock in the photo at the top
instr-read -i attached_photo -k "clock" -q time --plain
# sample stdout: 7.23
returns 11.51
